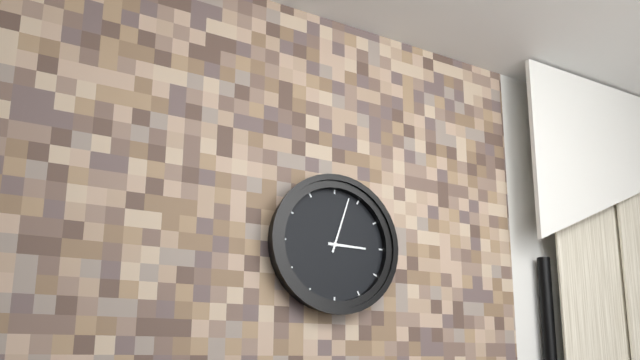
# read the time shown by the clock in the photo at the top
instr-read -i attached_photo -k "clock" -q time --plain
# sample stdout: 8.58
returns 3.03
